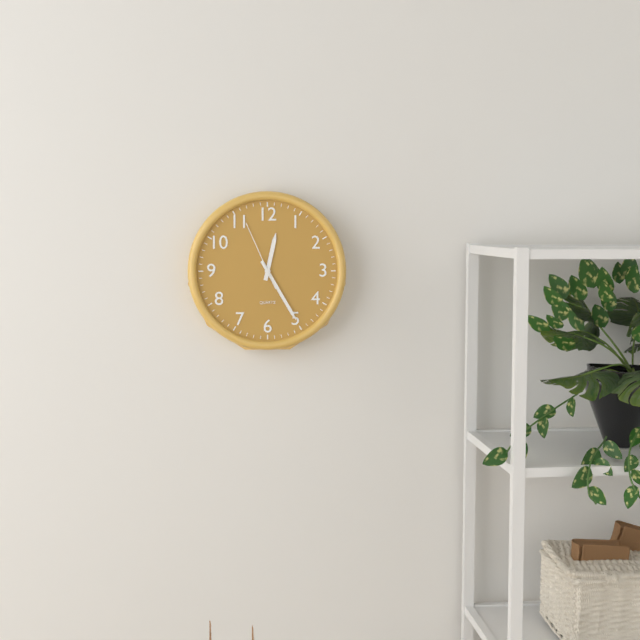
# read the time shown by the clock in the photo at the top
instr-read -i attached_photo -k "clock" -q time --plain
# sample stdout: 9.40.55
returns 12.25.56
